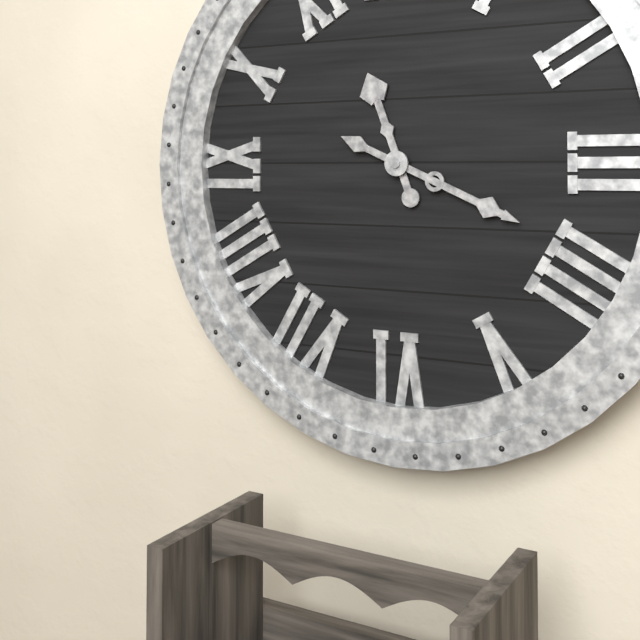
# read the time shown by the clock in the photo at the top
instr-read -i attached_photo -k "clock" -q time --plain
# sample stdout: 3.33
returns 11.19
